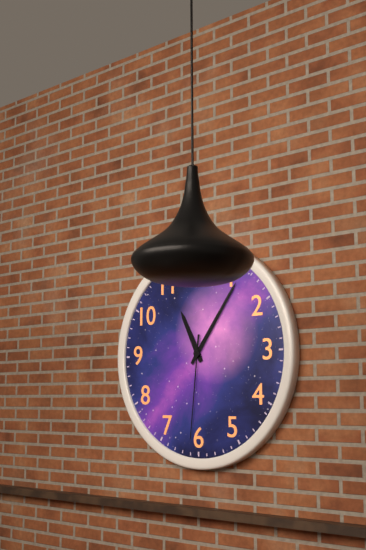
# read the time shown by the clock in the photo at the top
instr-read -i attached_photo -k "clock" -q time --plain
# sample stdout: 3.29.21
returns 11.06.31
